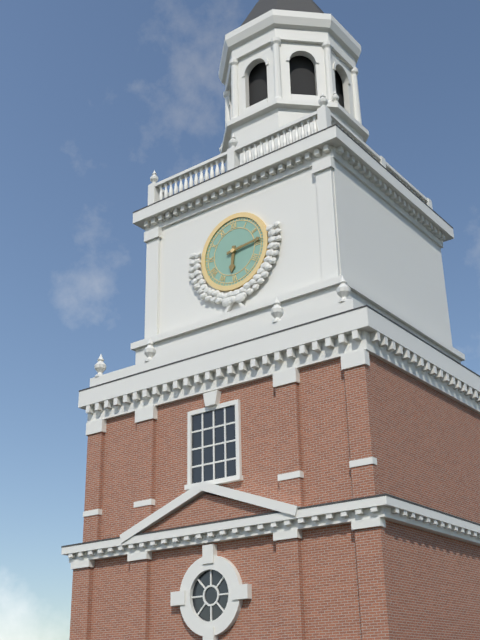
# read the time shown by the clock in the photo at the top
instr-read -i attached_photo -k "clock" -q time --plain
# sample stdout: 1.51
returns 6.14
